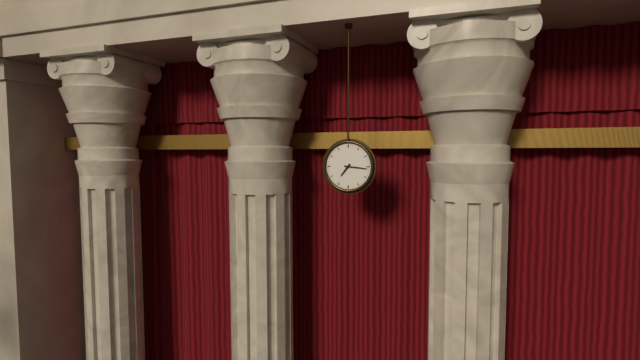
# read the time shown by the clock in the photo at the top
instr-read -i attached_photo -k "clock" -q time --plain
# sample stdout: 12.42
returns 7.16
